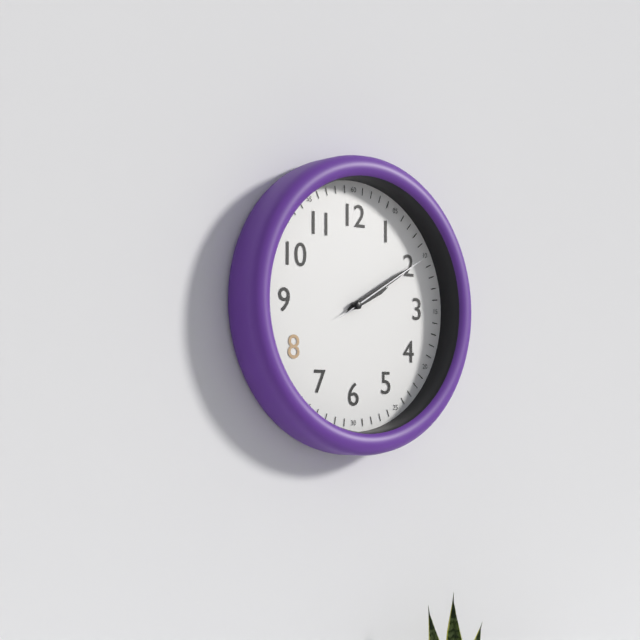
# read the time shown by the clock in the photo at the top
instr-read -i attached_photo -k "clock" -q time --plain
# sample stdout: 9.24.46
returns 2.10.10
